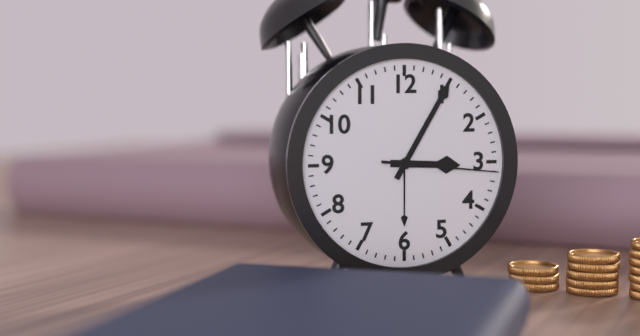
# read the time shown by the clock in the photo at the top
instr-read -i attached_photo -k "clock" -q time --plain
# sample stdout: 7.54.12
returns 3.05.16
